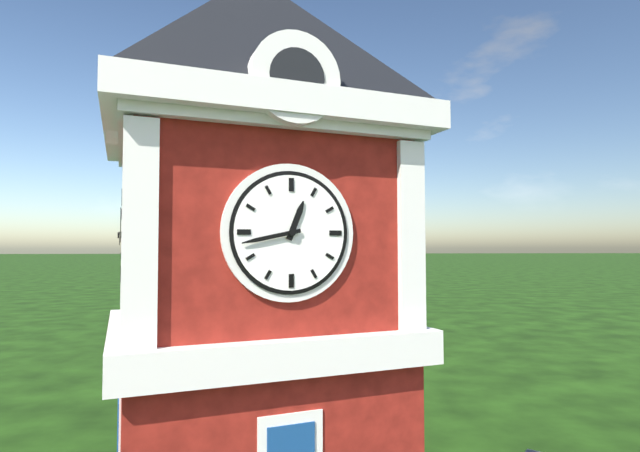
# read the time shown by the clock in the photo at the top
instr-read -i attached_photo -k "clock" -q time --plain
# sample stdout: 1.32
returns 12.43
